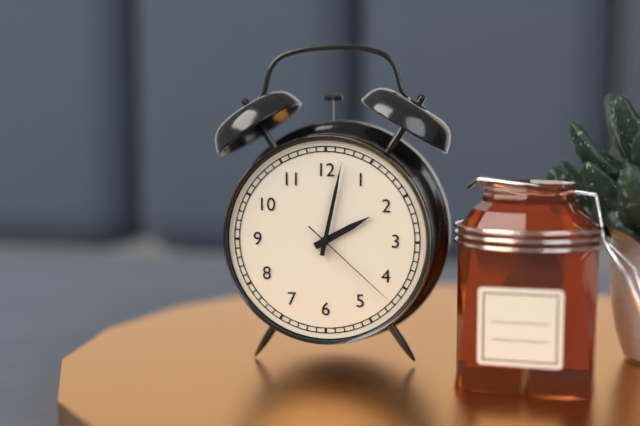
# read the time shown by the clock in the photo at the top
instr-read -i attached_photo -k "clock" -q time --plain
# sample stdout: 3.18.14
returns 2.02.22
